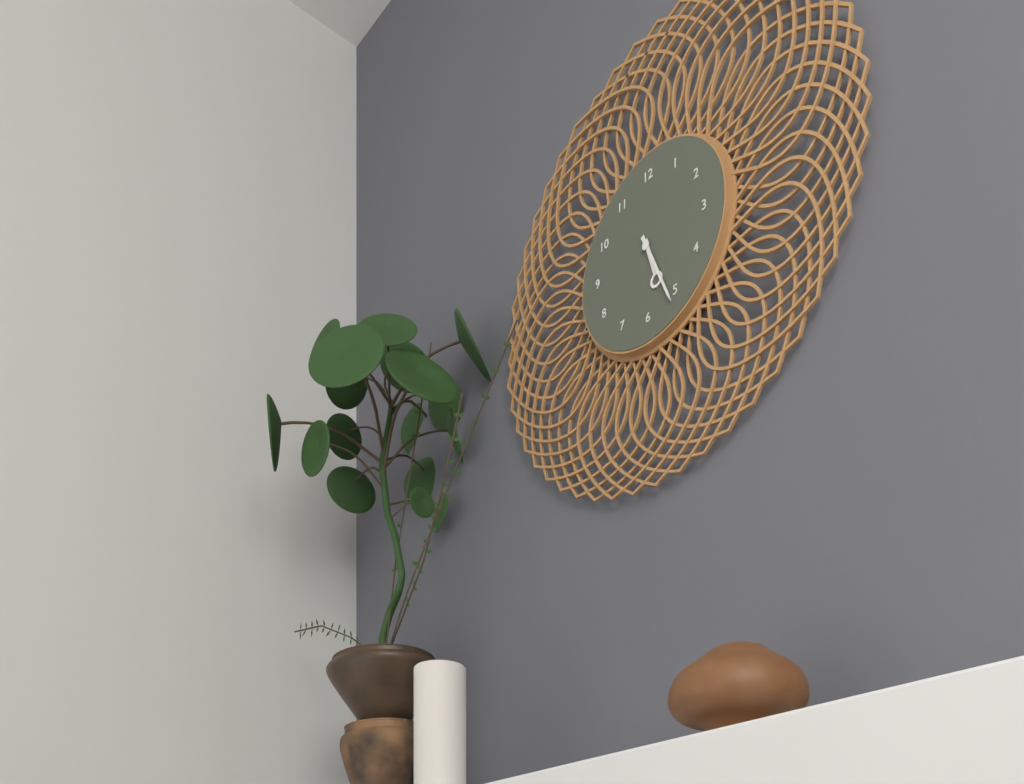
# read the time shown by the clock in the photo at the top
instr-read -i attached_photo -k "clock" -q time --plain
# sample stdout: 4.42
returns 5.26
